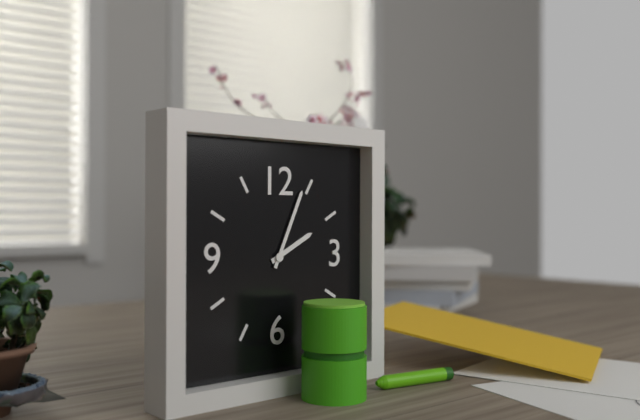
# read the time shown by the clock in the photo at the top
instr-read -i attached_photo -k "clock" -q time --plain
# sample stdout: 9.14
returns 2.04
